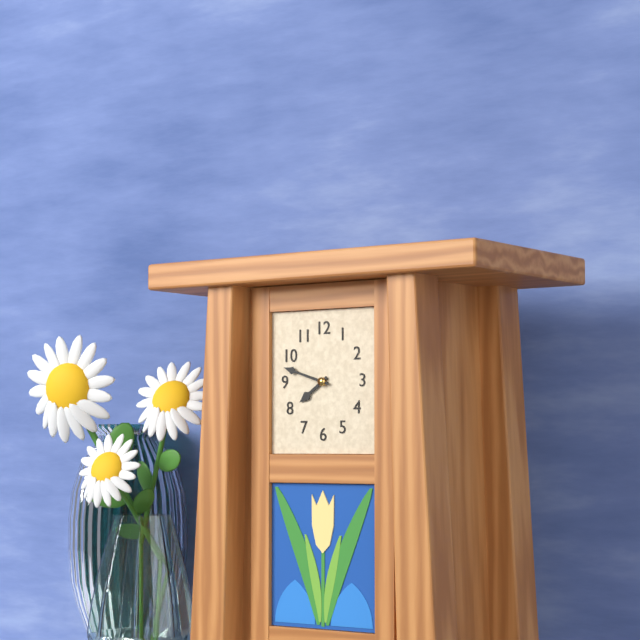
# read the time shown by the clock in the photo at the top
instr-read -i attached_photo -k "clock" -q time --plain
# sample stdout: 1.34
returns 7.48
